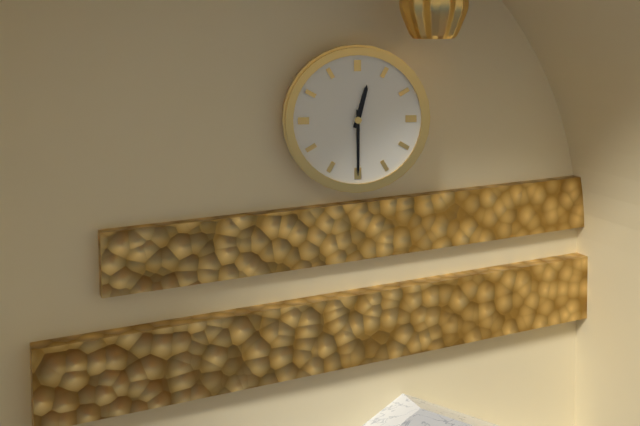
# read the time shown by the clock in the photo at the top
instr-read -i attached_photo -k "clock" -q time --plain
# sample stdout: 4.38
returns 12.30
